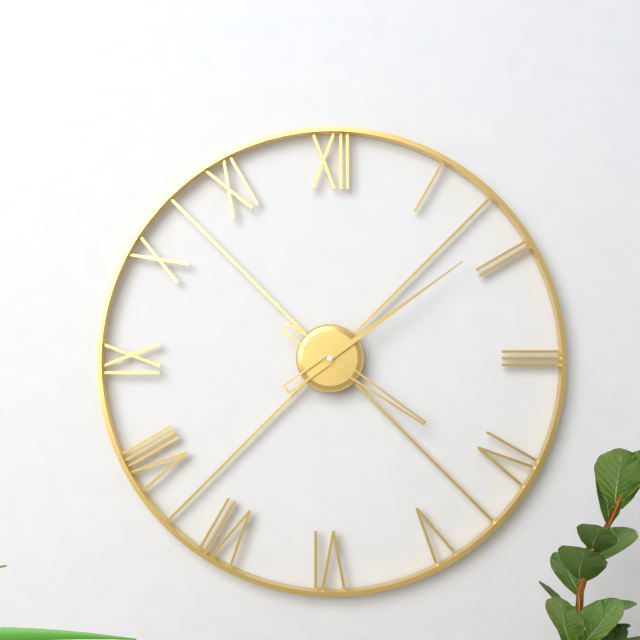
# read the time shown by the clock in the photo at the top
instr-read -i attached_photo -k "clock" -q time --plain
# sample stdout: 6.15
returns 4.09
